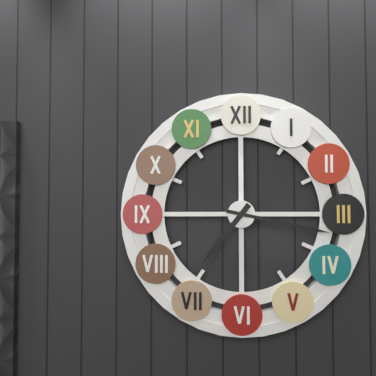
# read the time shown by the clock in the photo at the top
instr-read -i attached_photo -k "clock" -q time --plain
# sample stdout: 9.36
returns 7.17
